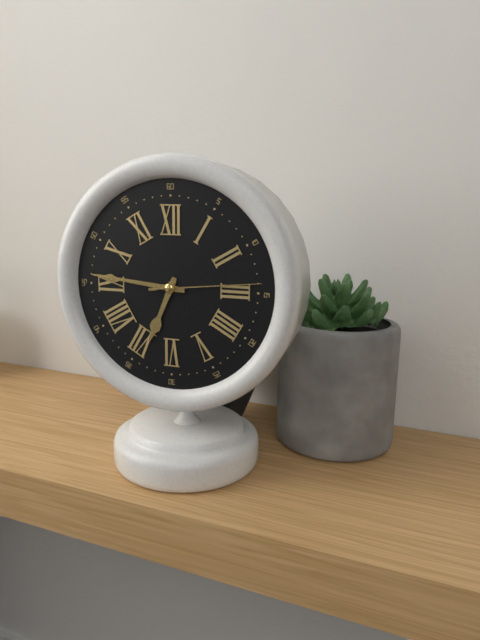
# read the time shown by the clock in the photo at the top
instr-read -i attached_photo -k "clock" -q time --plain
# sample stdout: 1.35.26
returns 6.46.14
